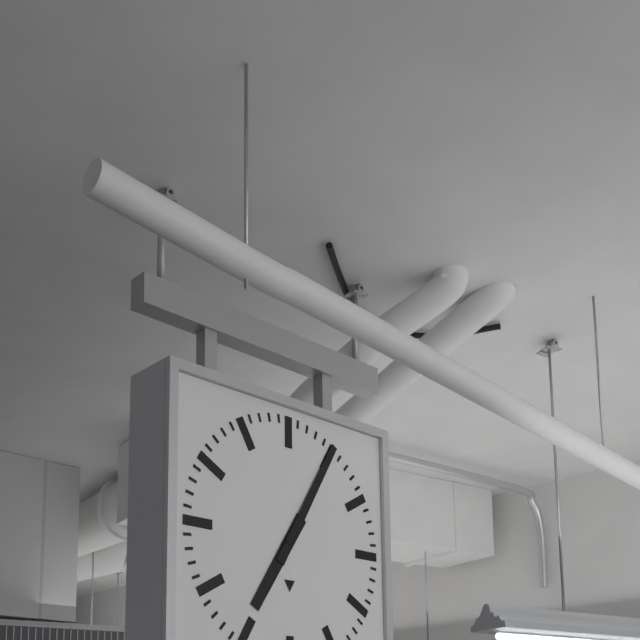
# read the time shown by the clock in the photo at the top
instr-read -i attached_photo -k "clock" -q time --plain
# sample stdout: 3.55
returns 7.05
